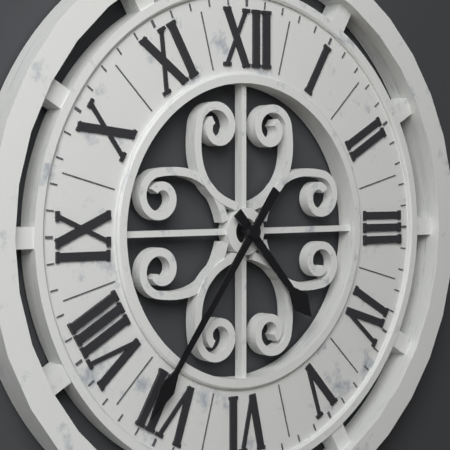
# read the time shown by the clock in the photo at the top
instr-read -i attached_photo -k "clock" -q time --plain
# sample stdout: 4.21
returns 4.36
